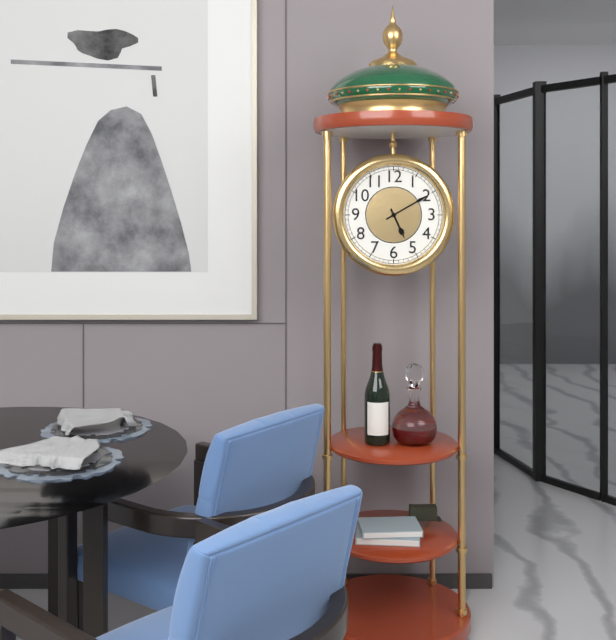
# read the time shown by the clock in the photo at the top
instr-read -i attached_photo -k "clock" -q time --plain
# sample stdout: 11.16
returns 5.10
